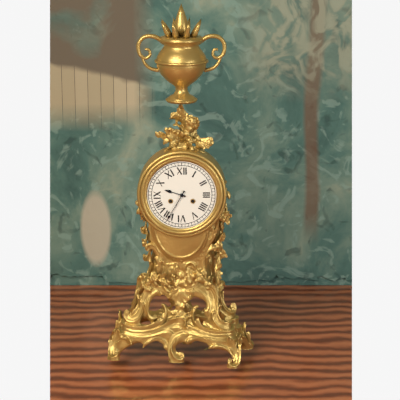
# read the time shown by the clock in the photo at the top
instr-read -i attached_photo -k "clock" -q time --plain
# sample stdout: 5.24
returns 9.35
